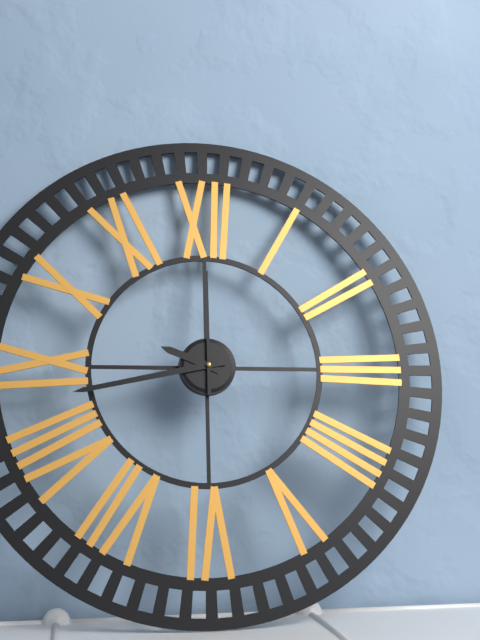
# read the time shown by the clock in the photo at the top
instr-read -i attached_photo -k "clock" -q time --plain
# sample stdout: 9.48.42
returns 9.43.00
